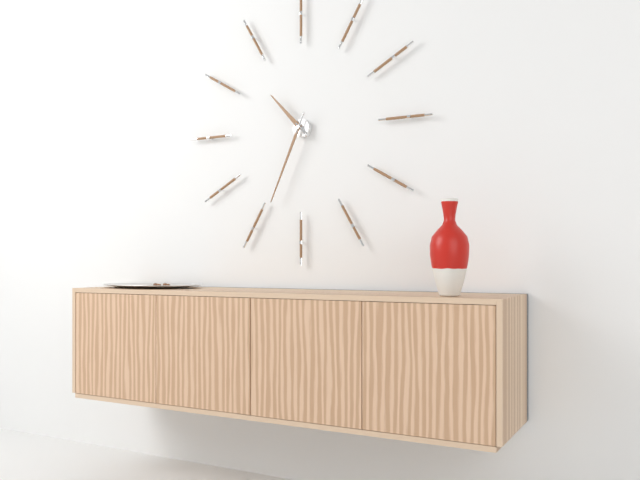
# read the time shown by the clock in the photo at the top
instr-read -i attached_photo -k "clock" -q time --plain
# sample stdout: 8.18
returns 10.34
